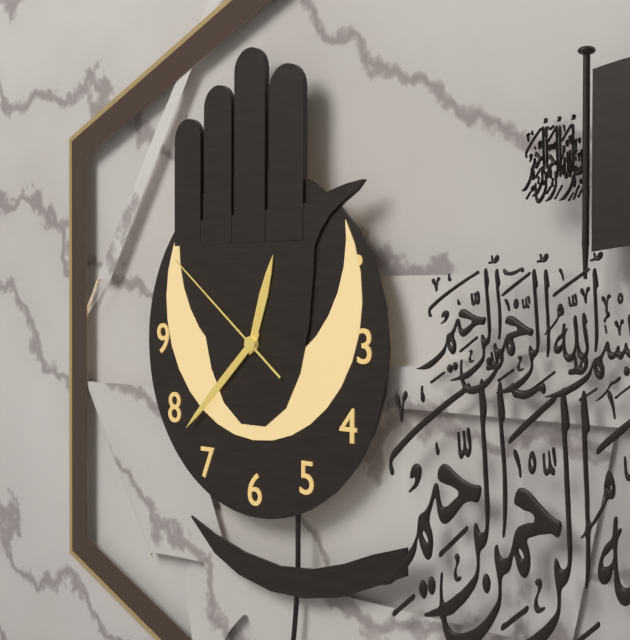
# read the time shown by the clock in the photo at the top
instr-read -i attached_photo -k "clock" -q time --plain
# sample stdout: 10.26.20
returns 12.38.51
